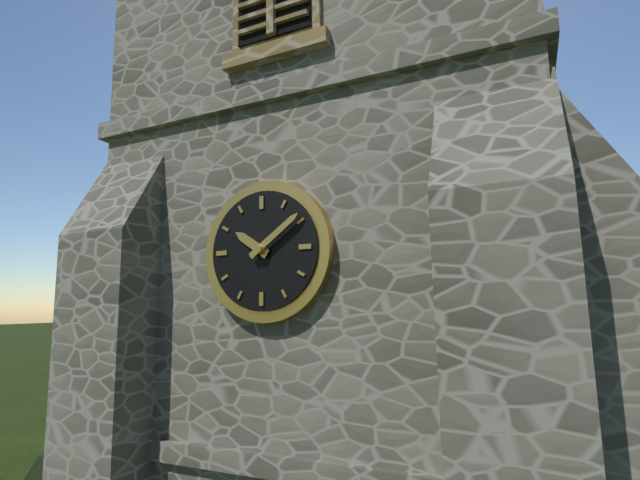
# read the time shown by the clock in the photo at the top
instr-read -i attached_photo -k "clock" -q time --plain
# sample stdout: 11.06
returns 10.09
